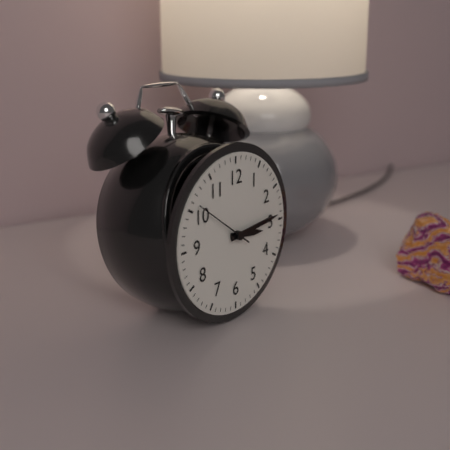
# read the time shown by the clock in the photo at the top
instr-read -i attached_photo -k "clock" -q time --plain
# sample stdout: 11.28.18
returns 3.14.51
